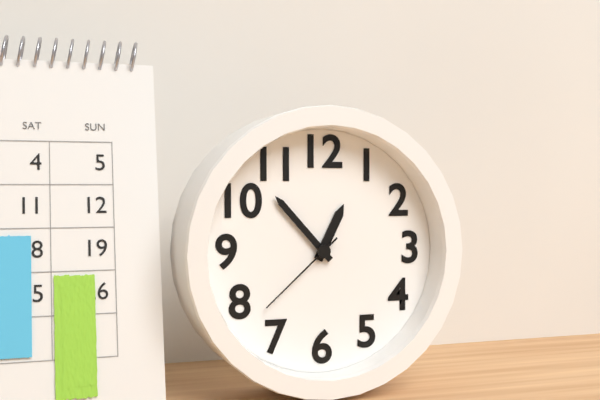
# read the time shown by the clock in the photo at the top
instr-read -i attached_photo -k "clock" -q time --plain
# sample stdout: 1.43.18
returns 12.53.38
